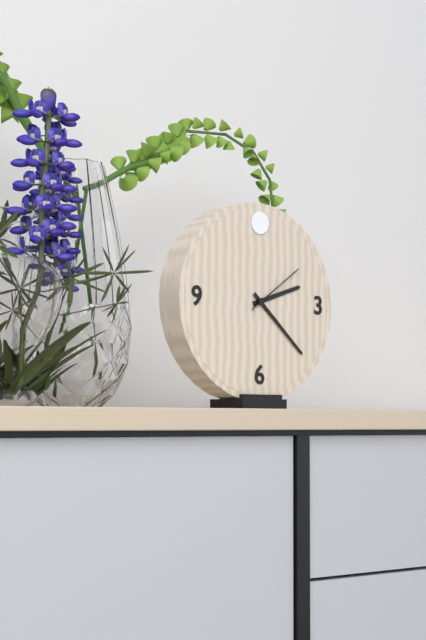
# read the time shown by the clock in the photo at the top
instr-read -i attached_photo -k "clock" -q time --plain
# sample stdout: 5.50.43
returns 2.22.09
